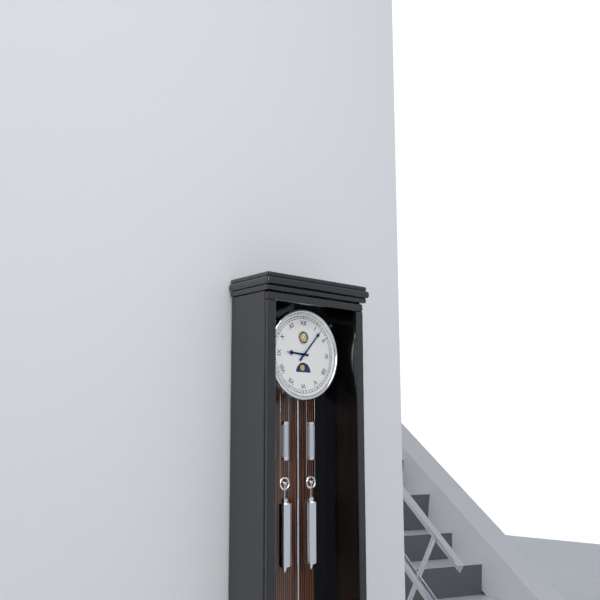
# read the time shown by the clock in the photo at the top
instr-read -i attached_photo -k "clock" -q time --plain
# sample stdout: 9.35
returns 9.07
